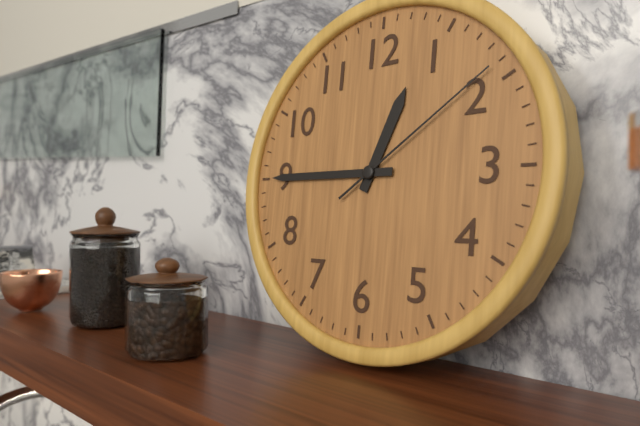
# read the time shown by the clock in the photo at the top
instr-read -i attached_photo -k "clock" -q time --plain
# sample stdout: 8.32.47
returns 12.45.09
